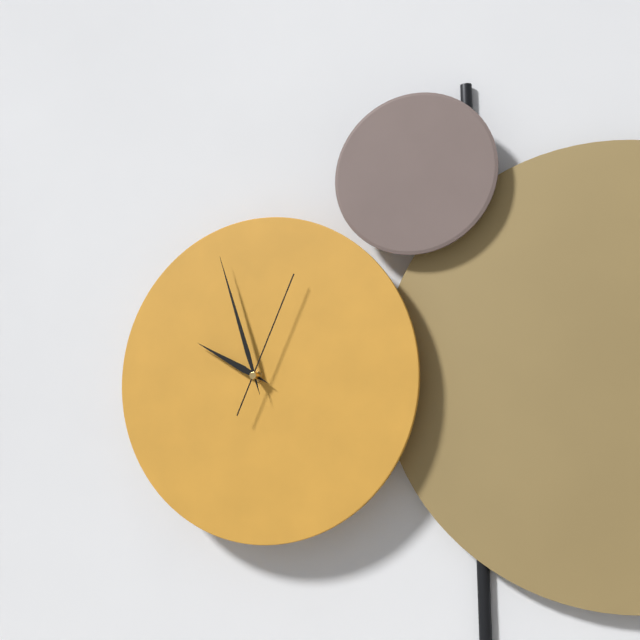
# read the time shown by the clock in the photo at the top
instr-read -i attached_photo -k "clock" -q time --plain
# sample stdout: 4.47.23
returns 9.57.04
